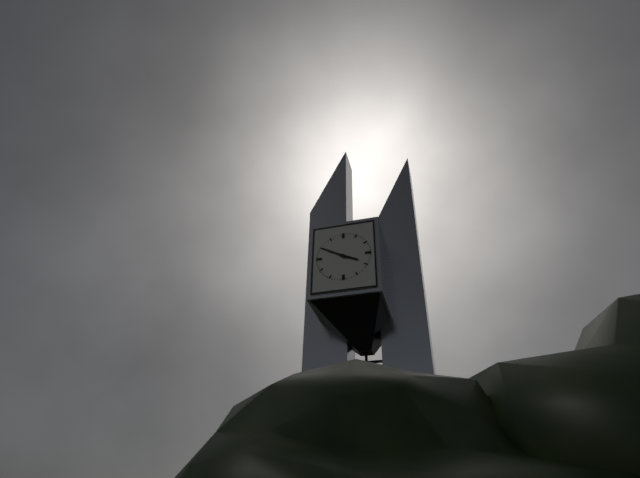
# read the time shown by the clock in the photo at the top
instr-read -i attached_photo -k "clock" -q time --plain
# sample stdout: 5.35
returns 3.50
